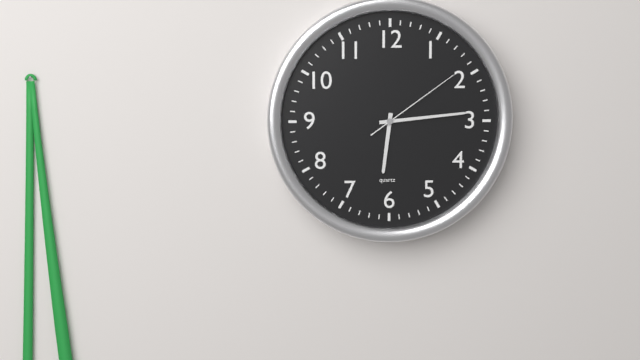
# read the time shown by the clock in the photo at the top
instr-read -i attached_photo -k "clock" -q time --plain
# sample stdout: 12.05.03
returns 6.14.09
